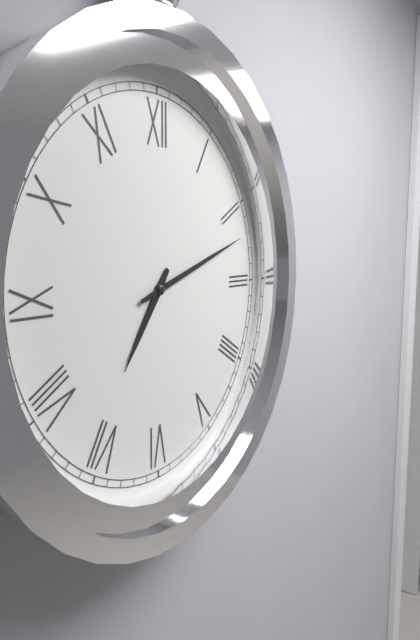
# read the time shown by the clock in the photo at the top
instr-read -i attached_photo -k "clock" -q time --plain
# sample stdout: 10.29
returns 7.12
